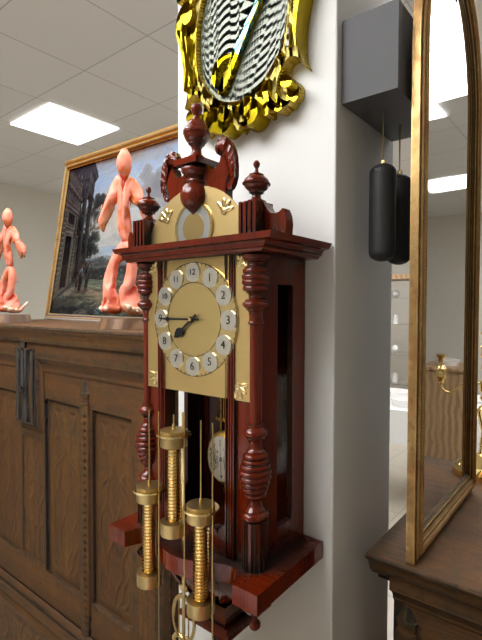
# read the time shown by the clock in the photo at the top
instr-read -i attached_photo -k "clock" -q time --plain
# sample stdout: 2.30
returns 7.45
